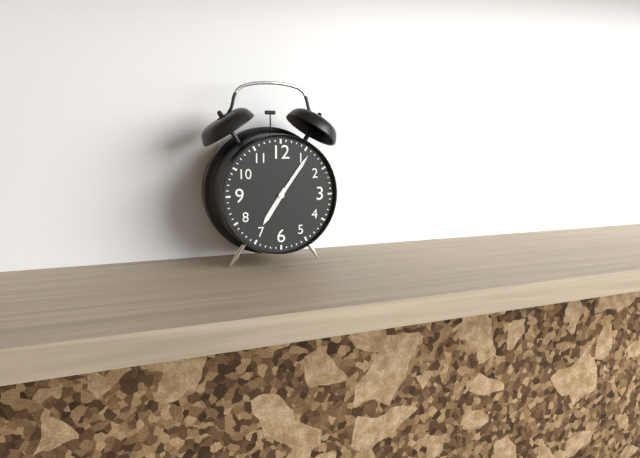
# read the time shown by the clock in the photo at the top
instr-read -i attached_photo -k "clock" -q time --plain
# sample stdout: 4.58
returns 7.06
